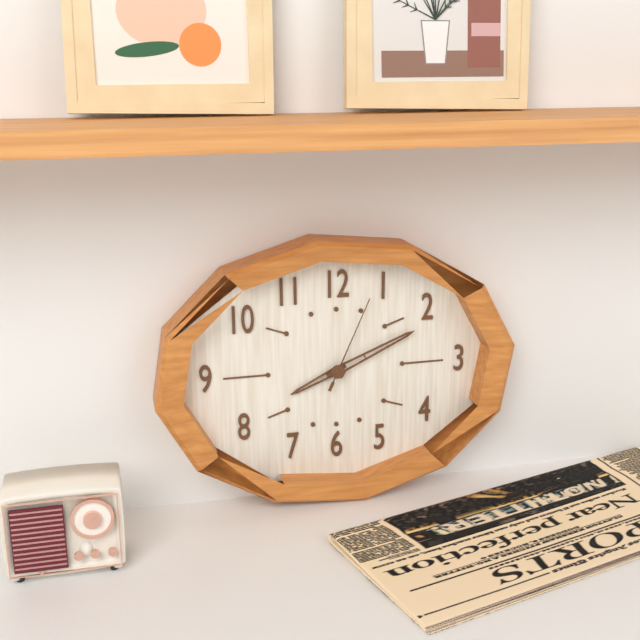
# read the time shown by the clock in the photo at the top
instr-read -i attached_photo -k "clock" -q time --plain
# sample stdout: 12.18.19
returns 8.11.04
